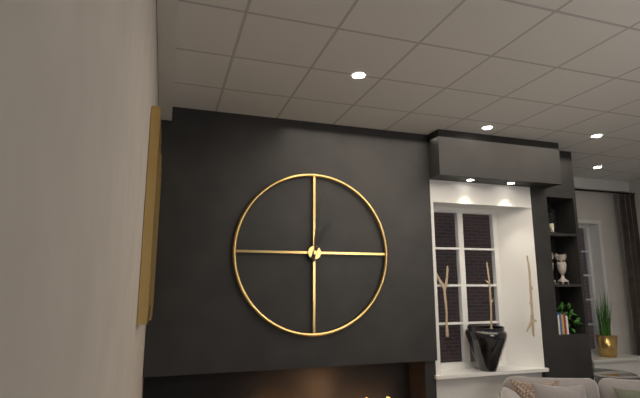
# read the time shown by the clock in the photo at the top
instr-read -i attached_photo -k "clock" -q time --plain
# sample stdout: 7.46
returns 1.01
